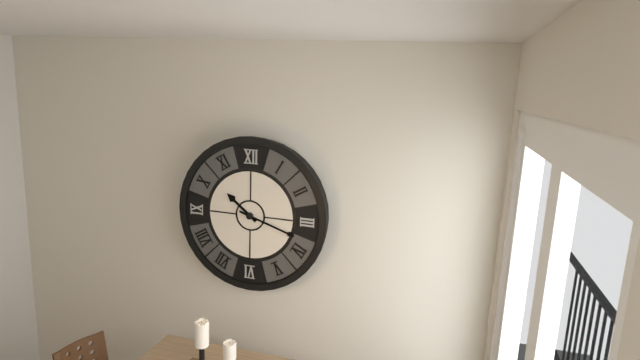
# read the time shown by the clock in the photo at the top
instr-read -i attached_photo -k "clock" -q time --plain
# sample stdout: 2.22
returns 10.18
